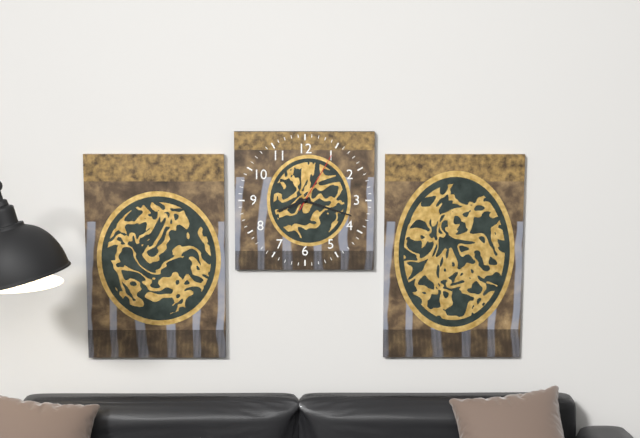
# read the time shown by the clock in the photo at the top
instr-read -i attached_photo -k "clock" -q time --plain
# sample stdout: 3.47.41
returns 8.18.05
